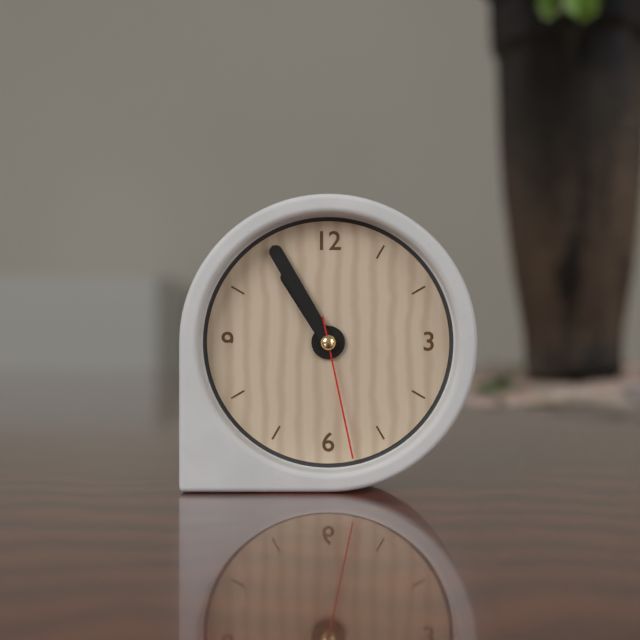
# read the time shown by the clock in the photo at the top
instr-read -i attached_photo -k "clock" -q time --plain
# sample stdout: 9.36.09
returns 10.55.28
